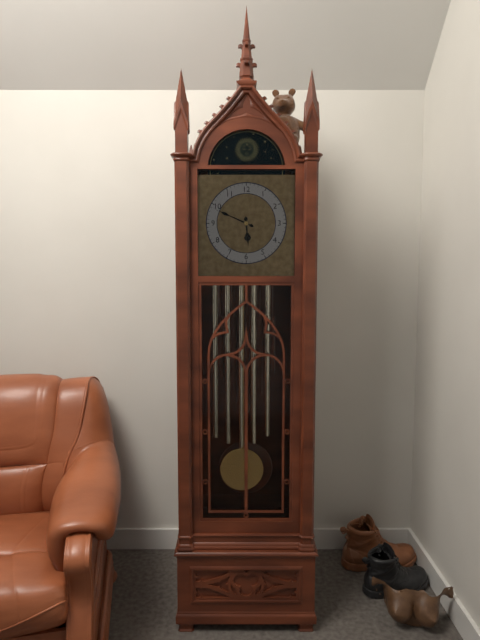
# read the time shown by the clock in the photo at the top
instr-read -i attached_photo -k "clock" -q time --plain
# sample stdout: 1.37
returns 5.49
